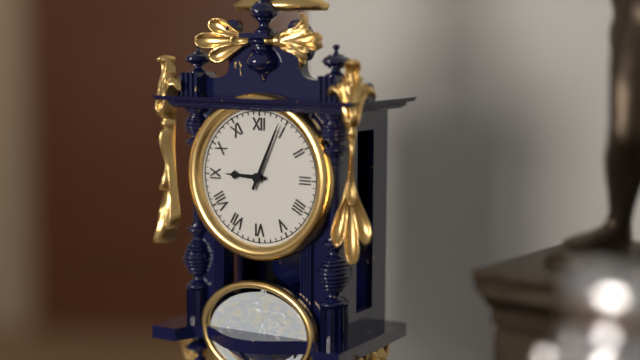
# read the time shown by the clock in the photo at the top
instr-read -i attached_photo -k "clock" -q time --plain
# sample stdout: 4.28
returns 9.04
